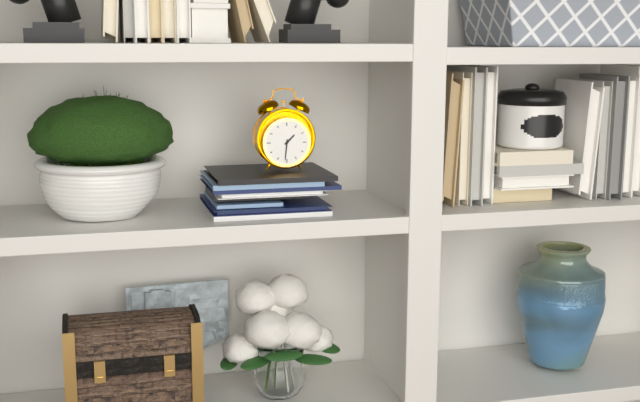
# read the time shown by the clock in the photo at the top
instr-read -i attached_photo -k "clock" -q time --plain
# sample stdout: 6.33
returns 1.31
